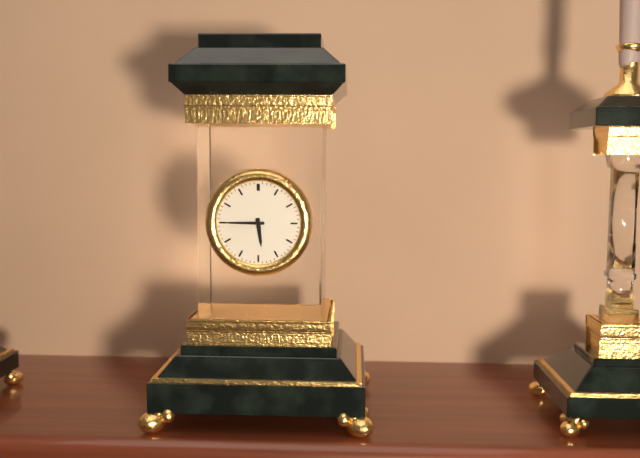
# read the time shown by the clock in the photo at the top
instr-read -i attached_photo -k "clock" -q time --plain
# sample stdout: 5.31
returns 5.45
